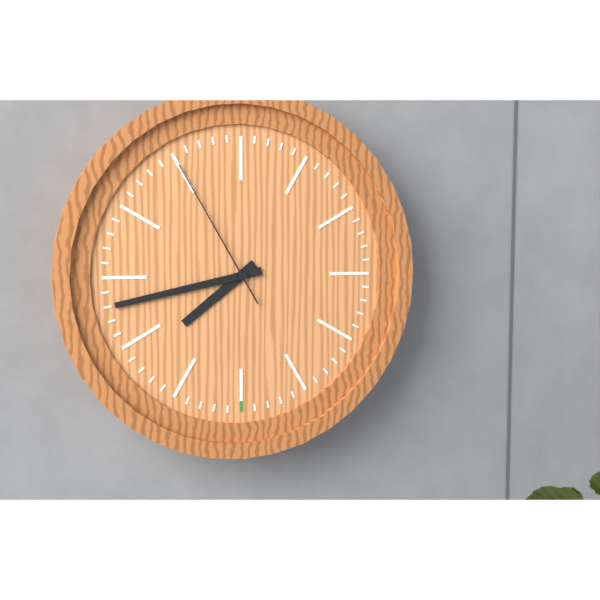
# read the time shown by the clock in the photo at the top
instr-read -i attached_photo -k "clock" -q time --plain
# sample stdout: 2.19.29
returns 7.43.55
